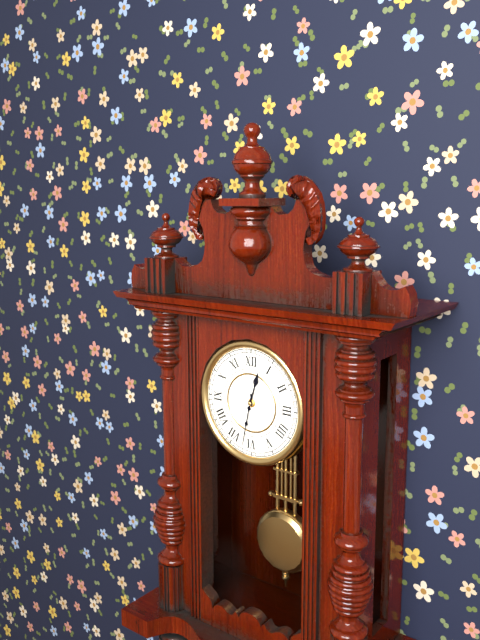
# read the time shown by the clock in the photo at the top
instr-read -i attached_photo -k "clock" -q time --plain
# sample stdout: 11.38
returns 12.32
